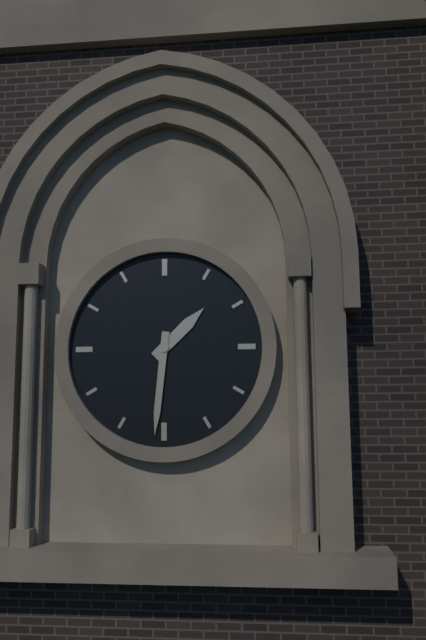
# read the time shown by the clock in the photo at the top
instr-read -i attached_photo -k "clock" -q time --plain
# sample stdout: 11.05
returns 1.31
